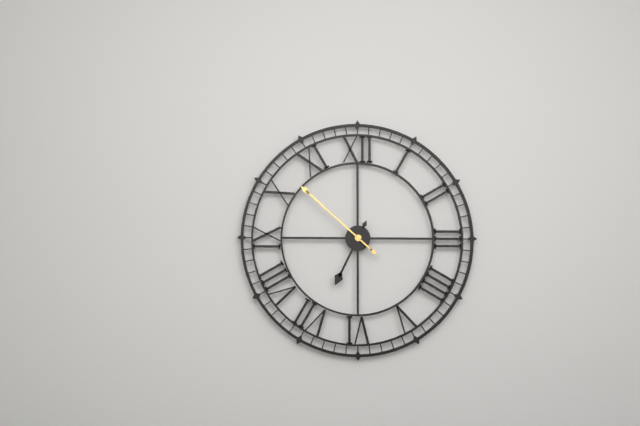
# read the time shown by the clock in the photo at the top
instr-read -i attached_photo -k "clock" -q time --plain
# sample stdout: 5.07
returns 6.52
